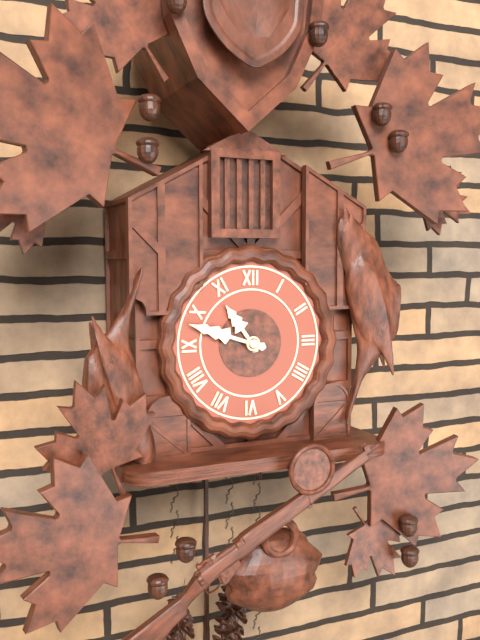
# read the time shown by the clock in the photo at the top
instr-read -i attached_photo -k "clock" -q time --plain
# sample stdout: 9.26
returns 10.48
